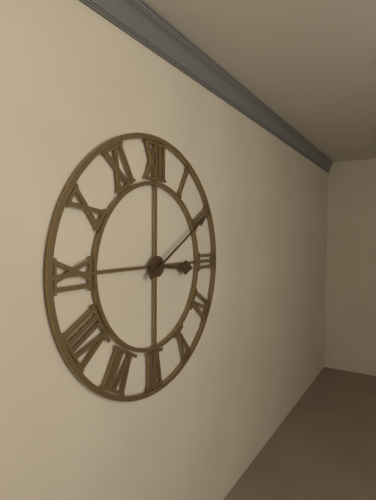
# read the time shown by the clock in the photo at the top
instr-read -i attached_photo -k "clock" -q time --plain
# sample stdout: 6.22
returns 3.10
